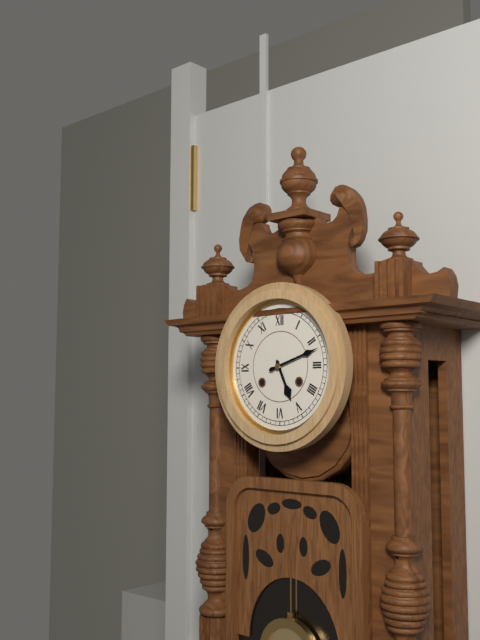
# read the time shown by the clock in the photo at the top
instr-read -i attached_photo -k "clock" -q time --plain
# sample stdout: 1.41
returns 5.12
